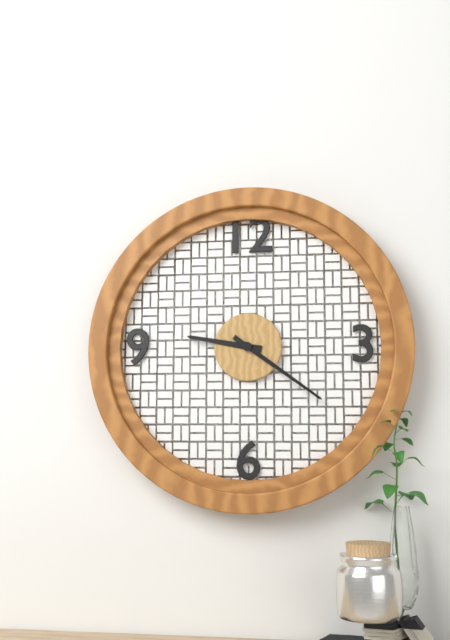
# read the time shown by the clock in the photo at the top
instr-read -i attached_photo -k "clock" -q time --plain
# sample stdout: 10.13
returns 9.21
